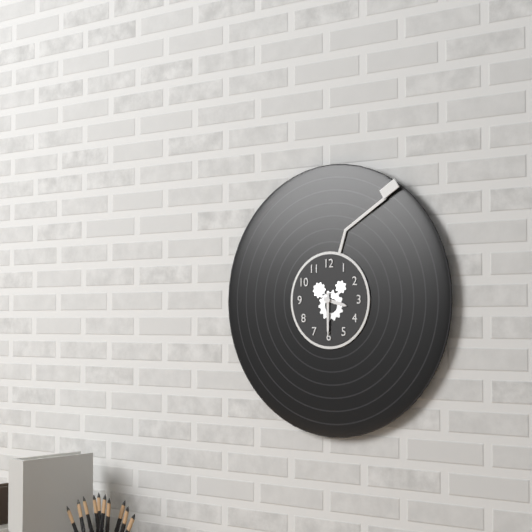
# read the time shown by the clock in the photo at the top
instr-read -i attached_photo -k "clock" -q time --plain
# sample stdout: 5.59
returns 3.30
